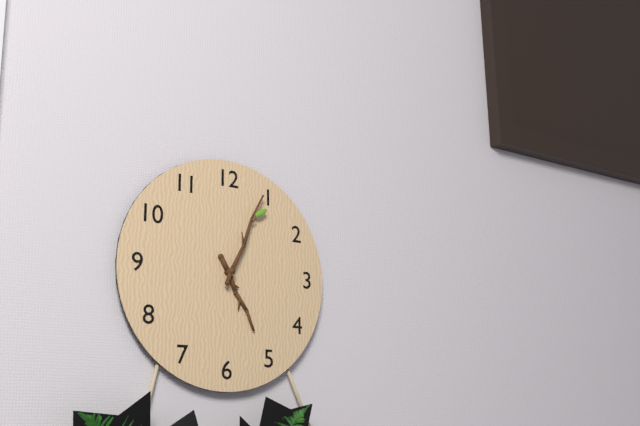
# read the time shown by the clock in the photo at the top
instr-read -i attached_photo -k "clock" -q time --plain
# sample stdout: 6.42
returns 5.04
